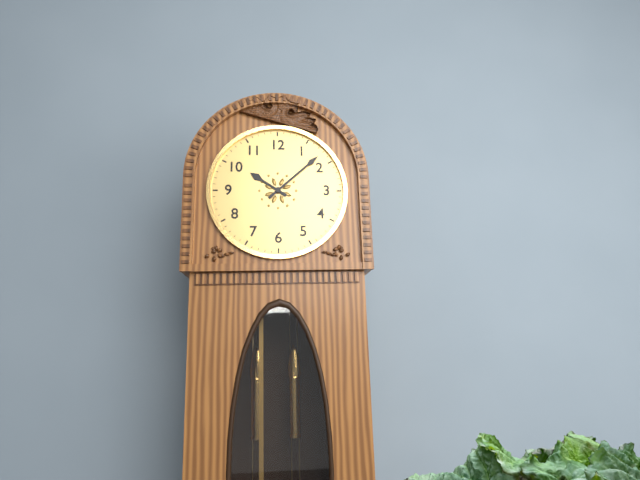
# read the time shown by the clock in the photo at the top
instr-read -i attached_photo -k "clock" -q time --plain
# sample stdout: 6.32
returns 10.08
